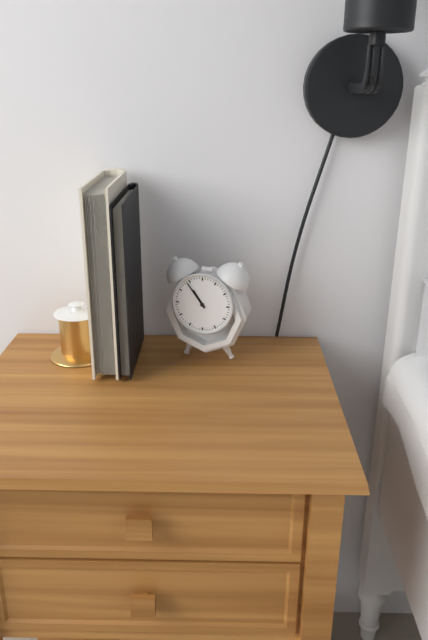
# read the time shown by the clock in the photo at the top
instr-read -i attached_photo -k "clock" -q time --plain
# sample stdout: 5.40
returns 10.54
